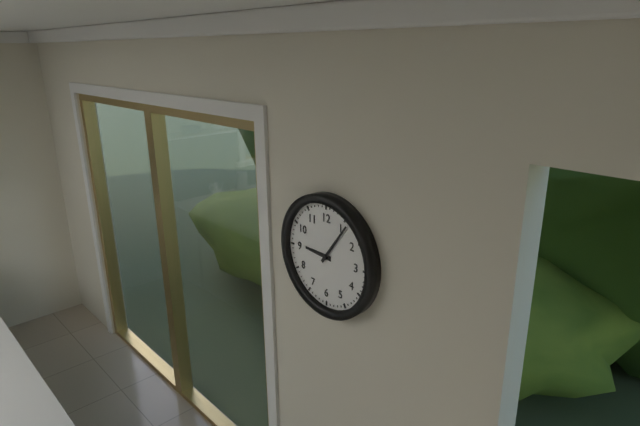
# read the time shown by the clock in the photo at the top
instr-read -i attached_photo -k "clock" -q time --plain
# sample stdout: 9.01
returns 9.06
